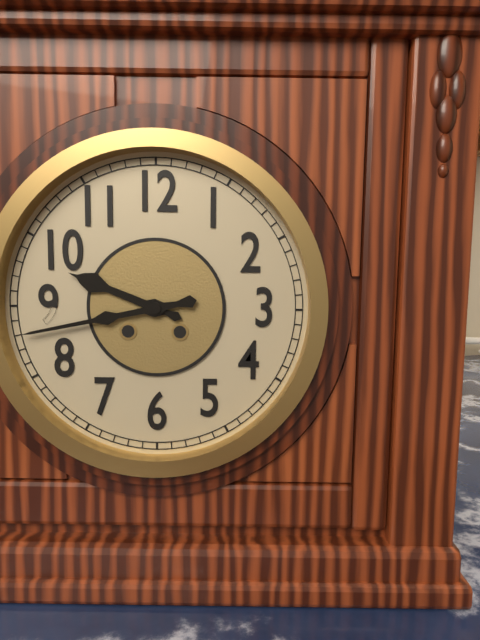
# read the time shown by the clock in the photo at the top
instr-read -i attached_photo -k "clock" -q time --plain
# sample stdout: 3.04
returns 9.43
